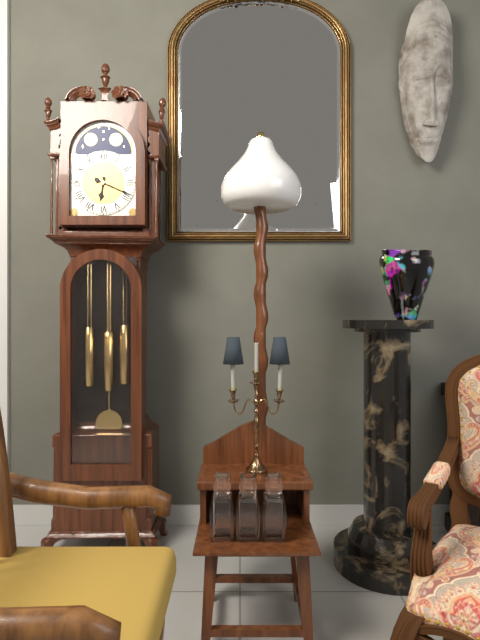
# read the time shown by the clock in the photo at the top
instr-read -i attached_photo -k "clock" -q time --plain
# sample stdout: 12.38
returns 6.19
